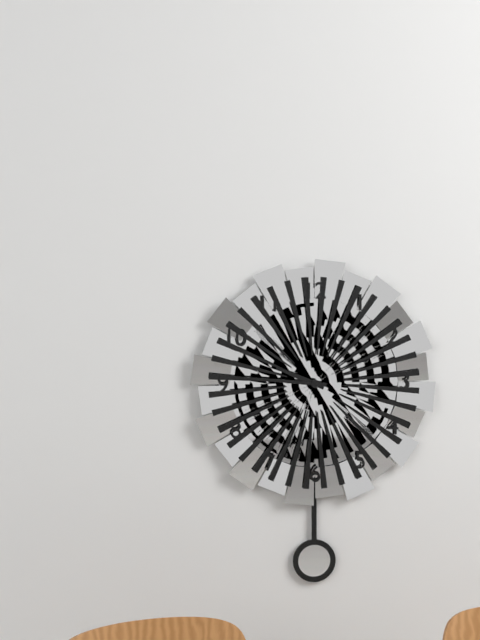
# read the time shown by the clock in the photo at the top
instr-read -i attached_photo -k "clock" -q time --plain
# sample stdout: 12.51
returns 9.46
